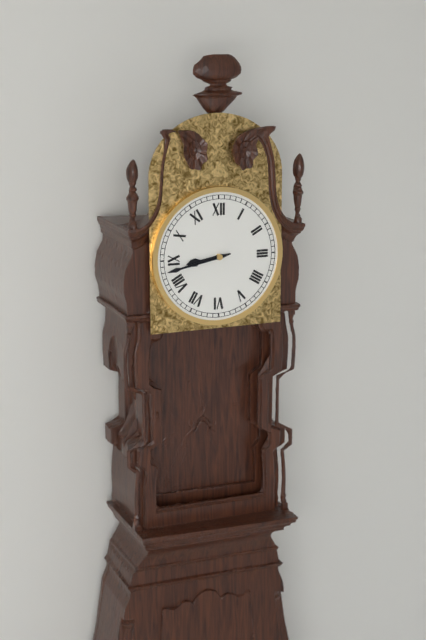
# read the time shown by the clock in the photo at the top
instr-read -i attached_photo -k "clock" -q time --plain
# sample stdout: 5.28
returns 8.43
